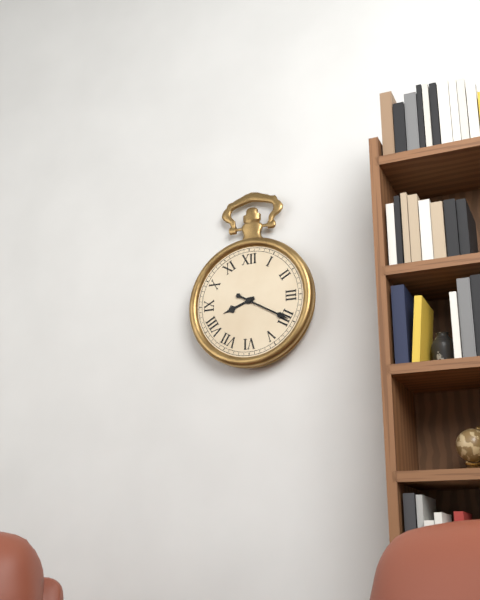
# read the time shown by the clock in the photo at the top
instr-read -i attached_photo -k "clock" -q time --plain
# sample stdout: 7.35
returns 8.20
